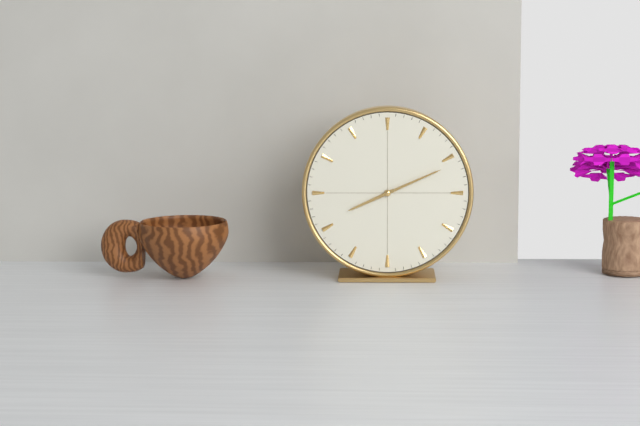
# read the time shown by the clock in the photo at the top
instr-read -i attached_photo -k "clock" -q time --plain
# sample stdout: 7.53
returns 8.11
